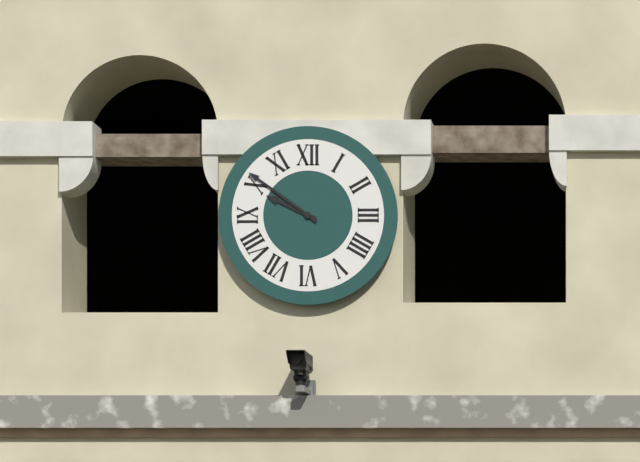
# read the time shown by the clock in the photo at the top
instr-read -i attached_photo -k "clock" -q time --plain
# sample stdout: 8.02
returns 9.51
